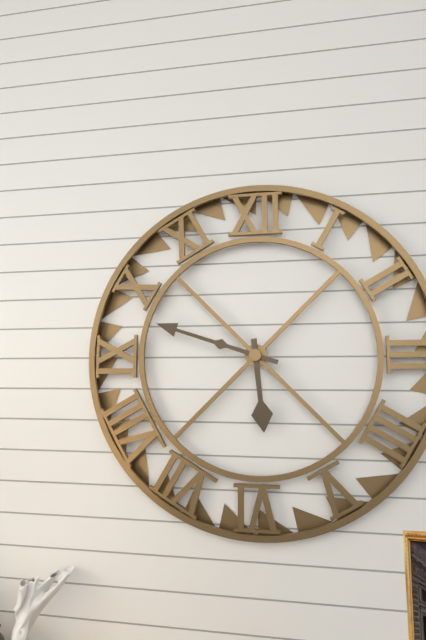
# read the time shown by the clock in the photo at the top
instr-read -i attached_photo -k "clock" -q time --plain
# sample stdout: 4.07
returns 5.48
